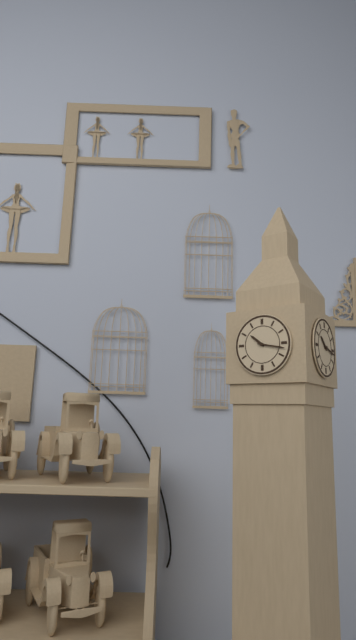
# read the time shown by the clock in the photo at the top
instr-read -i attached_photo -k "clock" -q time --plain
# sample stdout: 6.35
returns 10.17
